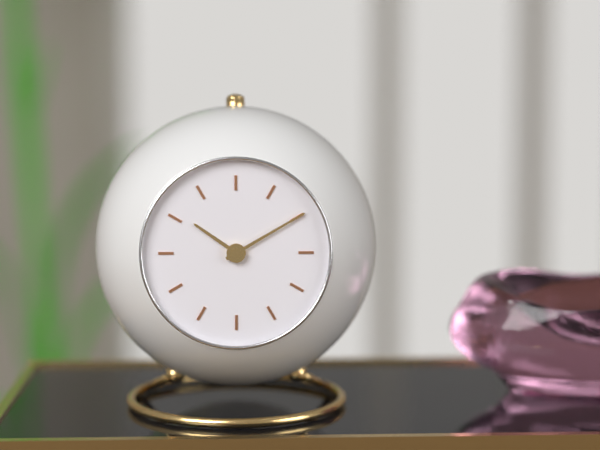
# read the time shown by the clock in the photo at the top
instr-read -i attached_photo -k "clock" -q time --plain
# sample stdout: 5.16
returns 10.10
